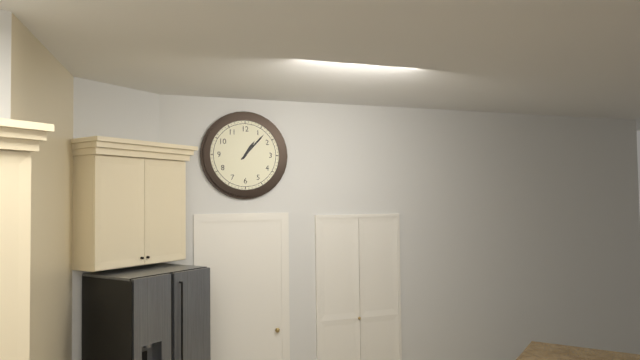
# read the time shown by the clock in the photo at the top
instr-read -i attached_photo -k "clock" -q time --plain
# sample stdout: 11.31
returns 1.07
